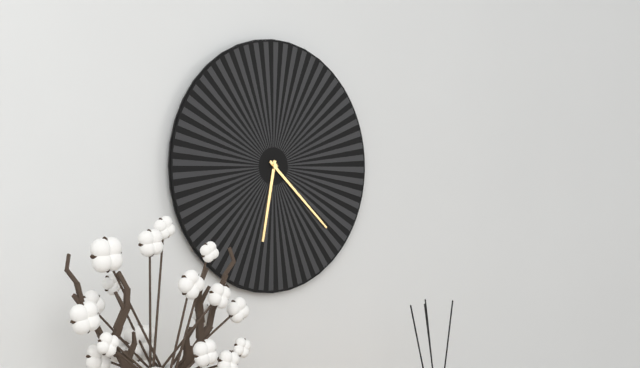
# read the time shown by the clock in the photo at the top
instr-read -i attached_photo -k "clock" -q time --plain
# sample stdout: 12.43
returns 6.22
